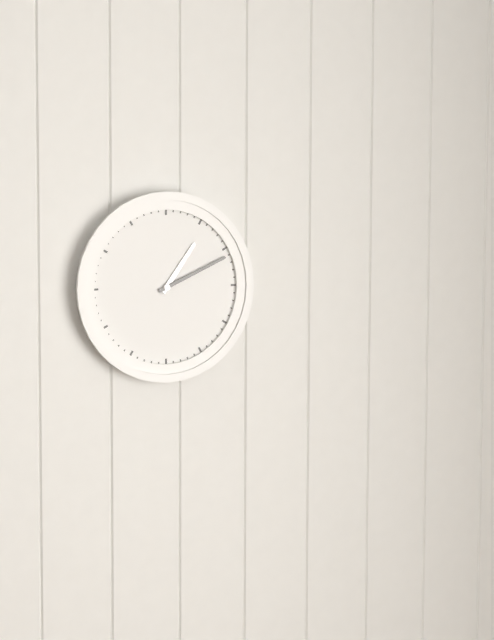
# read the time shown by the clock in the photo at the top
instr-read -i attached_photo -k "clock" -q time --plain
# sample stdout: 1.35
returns 1.11
